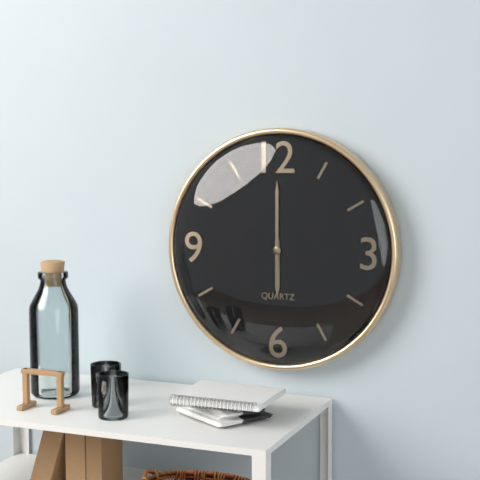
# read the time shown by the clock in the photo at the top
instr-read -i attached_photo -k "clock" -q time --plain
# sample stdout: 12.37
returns 6.00
